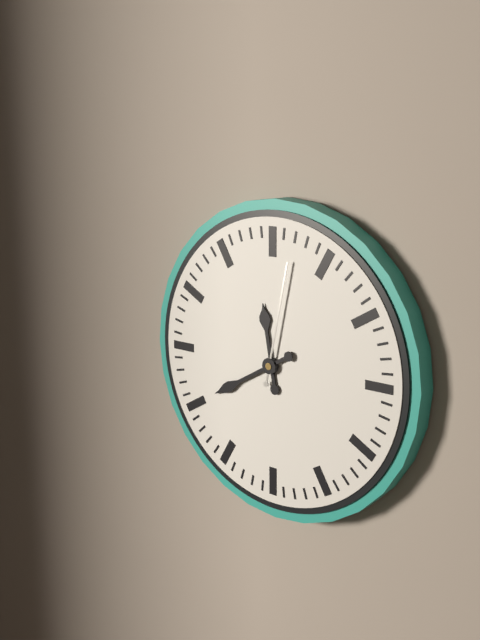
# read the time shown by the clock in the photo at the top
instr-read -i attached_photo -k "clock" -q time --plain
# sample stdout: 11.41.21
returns 11.40.02
